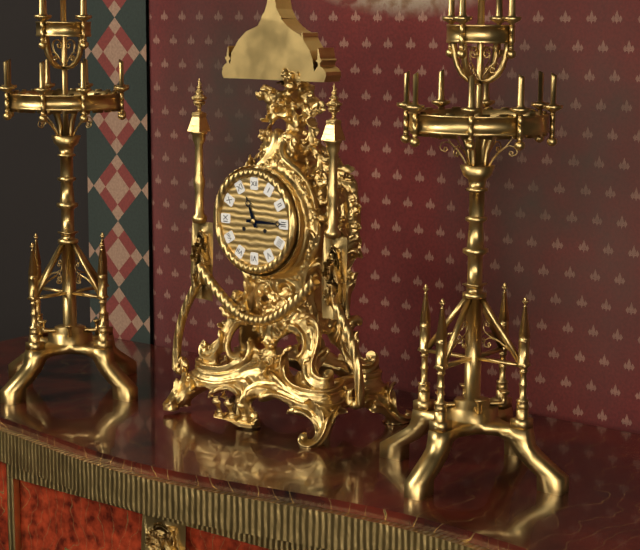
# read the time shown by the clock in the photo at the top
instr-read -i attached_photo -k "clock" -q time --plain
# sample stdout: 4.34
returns 11.15
